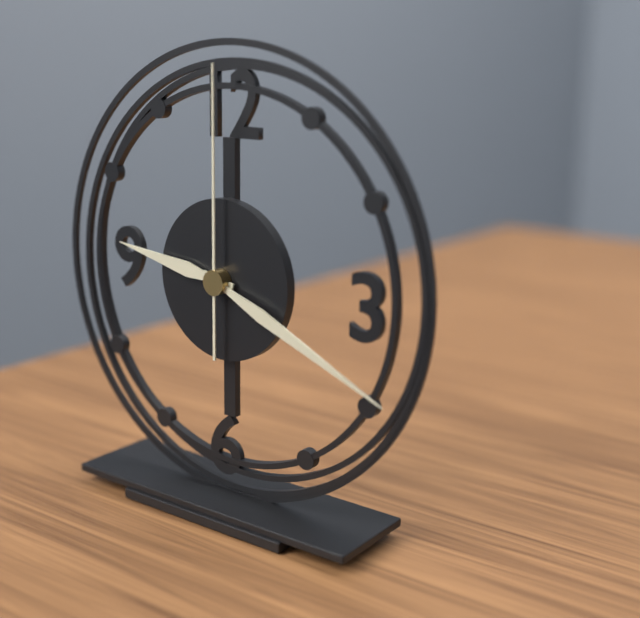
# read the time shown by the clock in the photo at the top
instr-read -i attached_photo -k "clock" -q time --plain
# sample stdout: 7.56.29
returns 9.19.00
